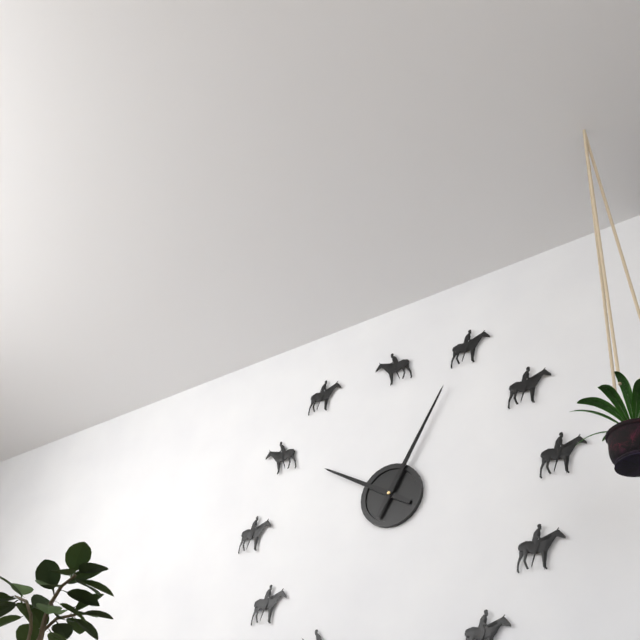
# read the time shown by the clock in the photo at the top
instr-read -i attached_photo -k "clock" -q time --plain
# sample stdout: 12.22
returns 10.05
